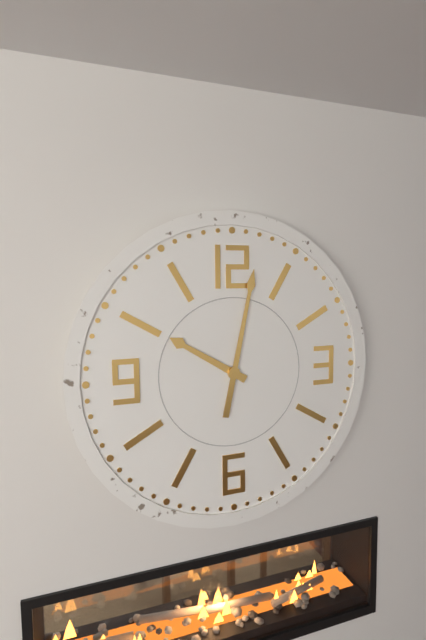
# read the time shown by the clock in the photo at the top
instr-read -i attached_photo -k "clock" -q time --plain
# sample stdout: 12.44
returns 10.02
